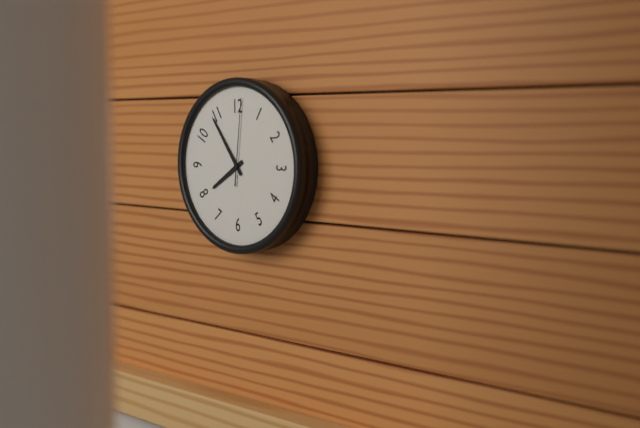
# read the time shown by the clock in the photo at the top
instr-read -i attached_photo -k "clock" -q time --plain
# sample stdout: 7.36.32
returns 7.54.01
